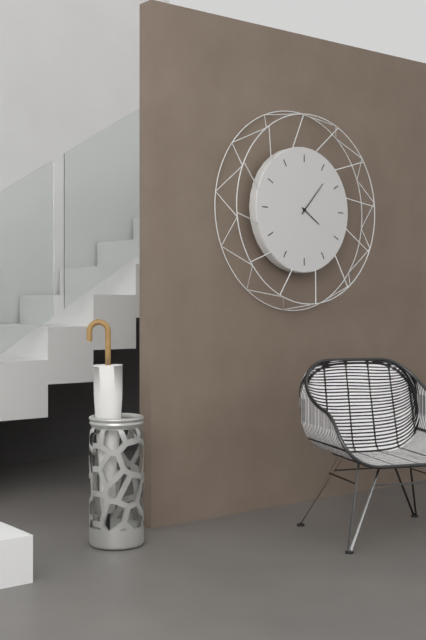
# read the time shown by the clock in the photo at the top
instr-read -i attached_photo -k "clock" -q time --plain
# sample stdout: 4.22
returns 4.07
